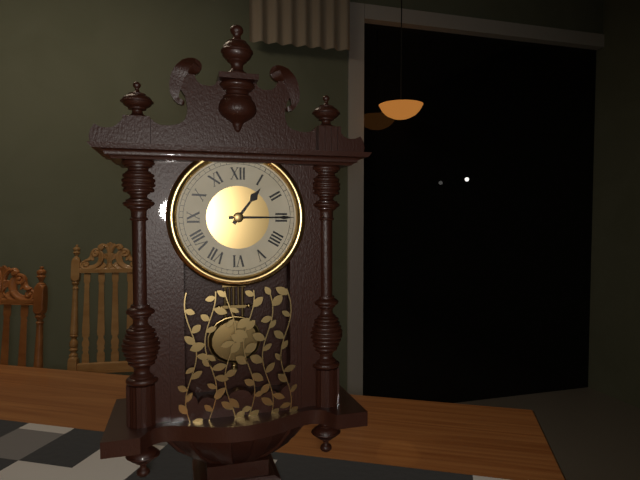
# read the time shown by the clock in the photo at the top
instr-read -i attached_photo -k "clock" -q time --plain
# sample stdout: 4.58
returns 1.15
